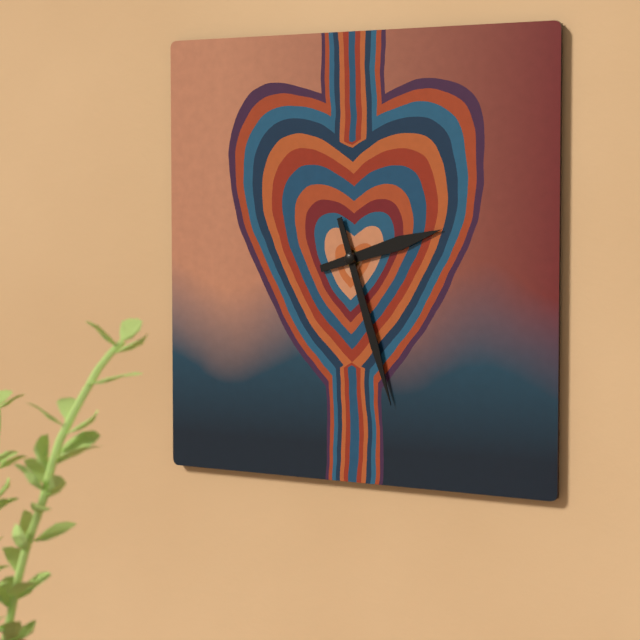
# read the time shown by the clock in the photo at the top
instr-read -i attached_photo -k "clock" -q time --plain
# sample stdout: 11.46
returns 2.27
